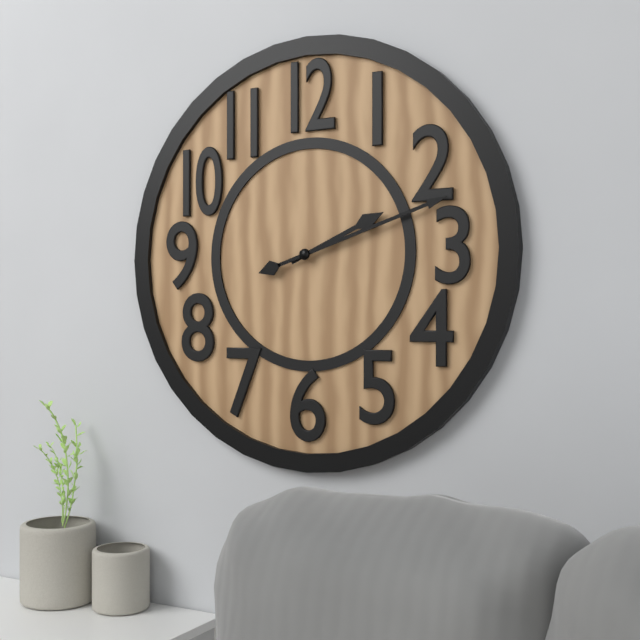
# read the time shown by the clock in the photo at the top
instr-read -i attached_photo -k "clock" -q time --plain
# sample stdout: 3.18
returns 2.12
